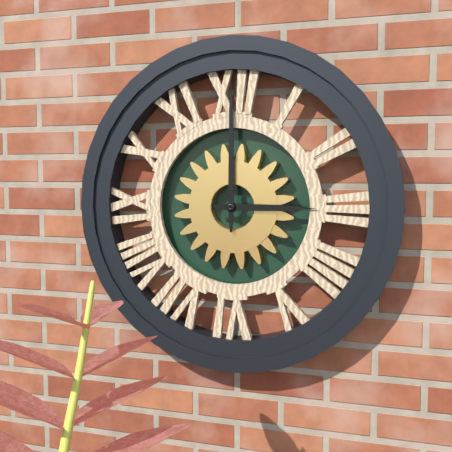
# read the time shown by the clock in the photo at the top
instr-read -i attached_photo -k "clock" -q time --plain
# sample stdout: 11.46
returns 3.00
